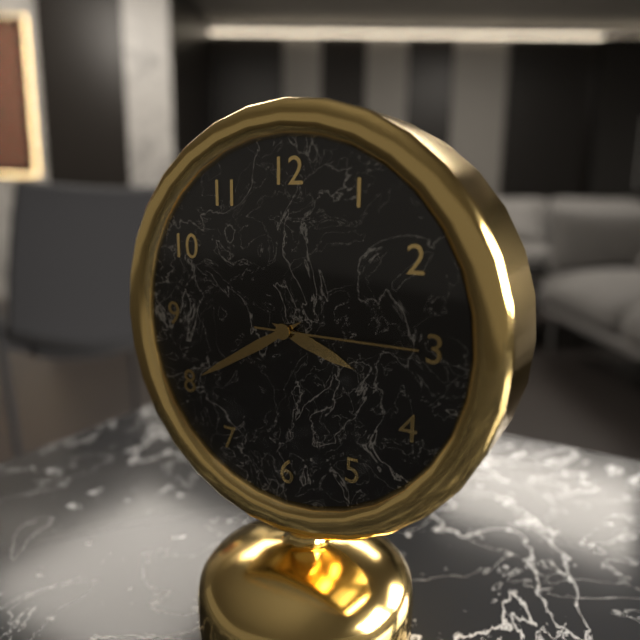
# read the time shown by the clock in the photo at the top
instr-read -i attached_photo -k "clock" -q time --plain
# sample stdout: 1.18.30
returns 3.40.15
